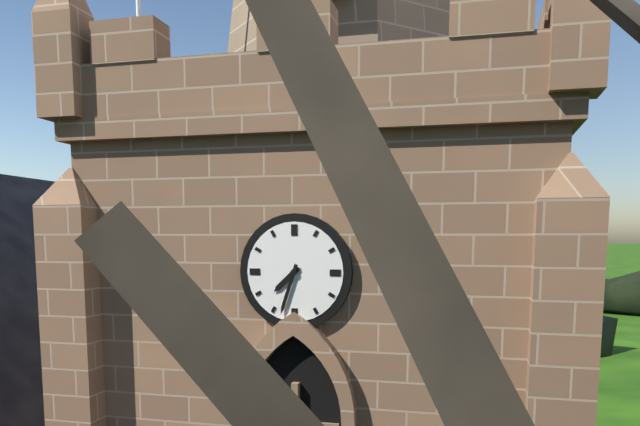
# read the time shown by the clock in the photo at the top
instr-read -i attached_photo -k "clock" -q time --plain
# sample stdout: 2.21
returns 7.33
